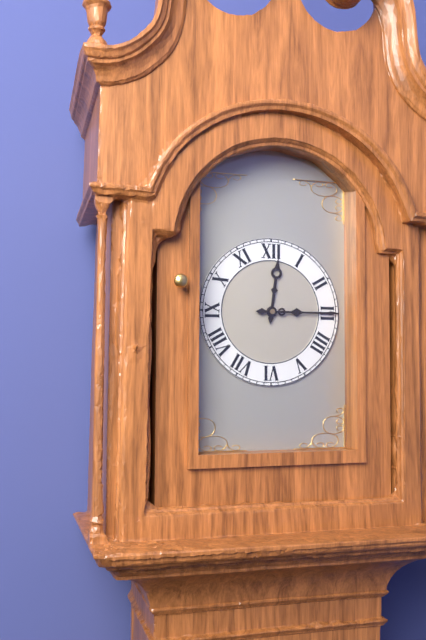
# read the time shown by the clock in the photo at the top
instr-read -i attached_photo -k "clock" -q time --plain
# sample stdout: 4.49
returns 12.15
